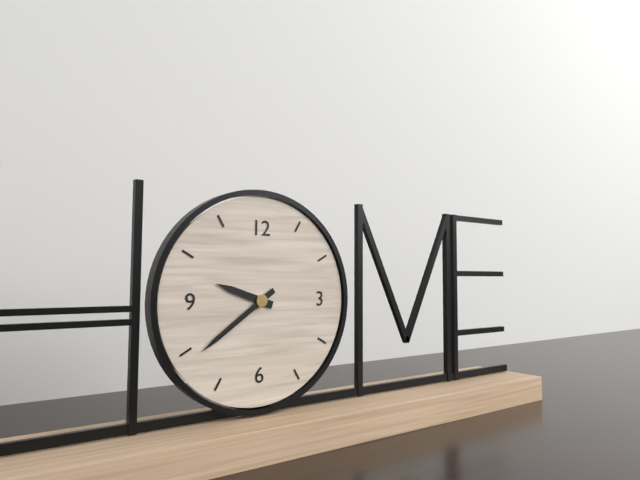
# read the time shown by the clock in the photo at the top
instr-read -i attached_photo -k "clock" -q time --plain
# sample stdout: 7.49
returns 9.39
